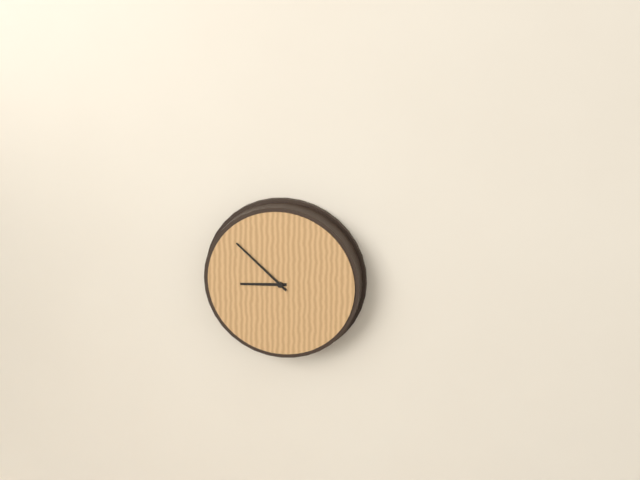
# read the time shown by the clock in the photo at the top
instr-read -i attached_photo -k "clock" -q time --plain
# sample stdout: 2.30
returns 8.52
